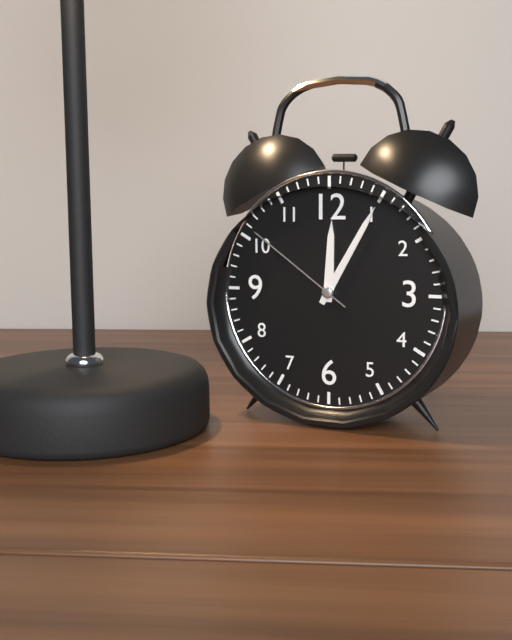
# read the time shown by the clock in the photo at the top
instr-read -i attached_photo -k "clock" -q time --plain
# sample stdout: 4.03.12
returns 12.05.51
